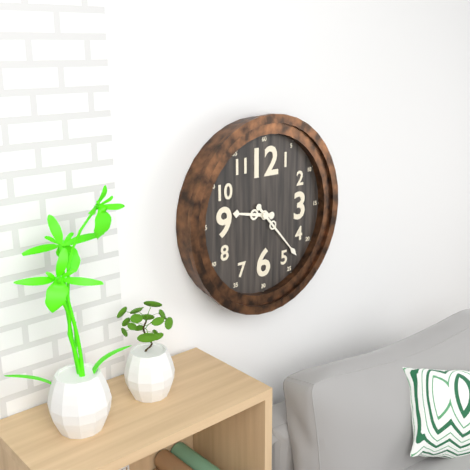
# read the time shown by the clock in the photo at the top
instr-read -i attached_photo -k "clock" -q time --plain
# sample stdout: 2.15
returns 9.23
